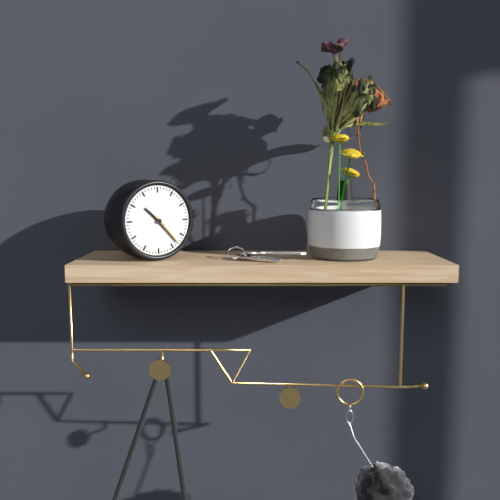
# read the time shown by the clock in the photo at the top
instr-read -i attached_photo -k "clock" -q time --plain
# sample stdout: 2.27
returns 10.23
